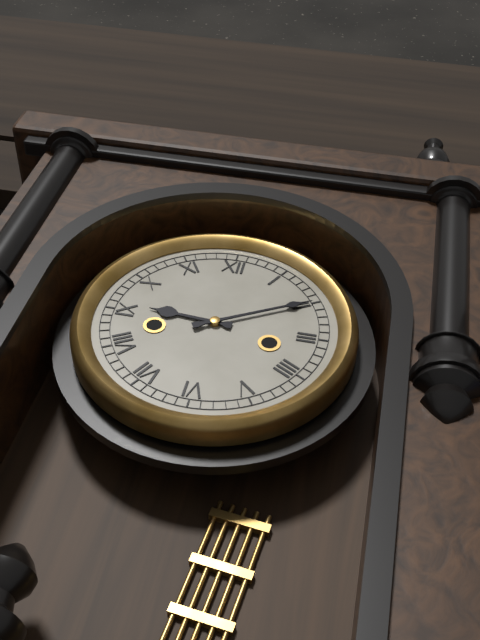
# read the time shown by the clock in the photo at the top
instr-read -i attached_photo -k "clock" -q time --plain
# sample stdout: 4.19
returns 9.10
